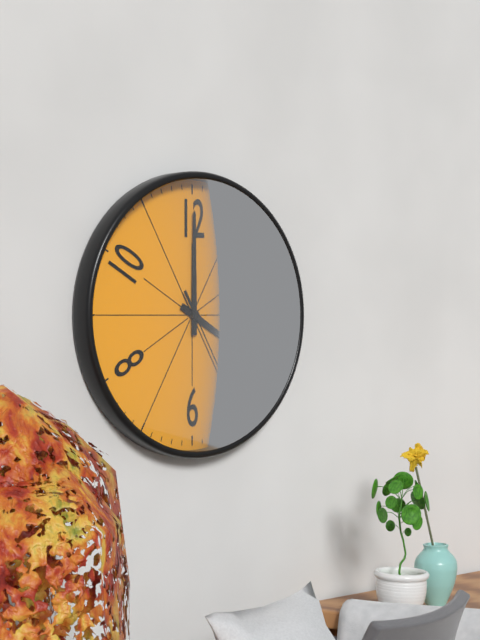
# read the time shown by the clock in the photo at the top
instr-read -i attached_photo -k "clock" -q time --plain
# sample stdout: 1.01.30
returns 4.00.25
